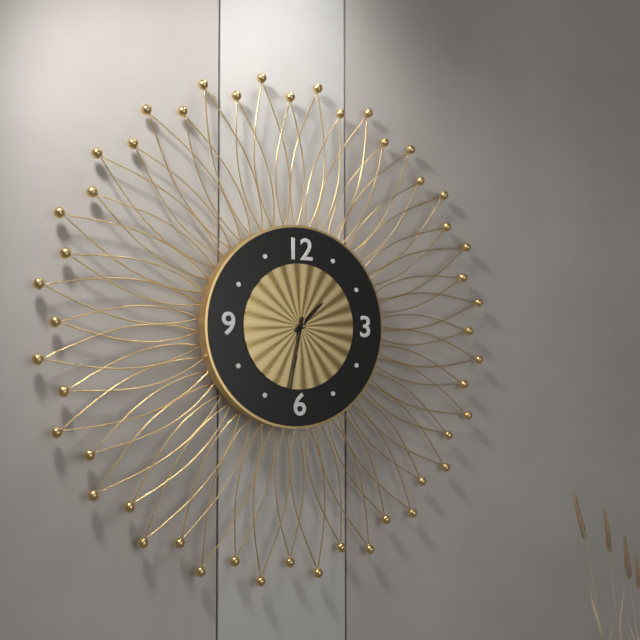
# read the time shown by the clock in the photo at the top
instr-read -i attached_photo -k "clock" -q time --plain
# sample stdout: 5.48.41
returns 1.32.02
